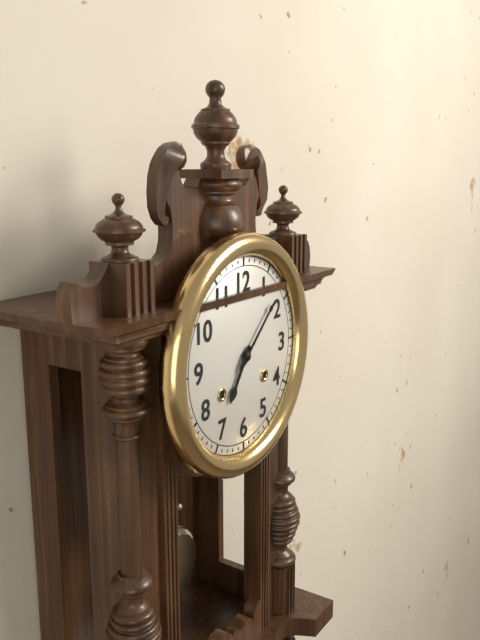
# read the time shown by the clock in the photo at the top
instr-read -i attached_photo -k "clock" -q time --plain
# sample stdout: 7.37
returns 7.08
